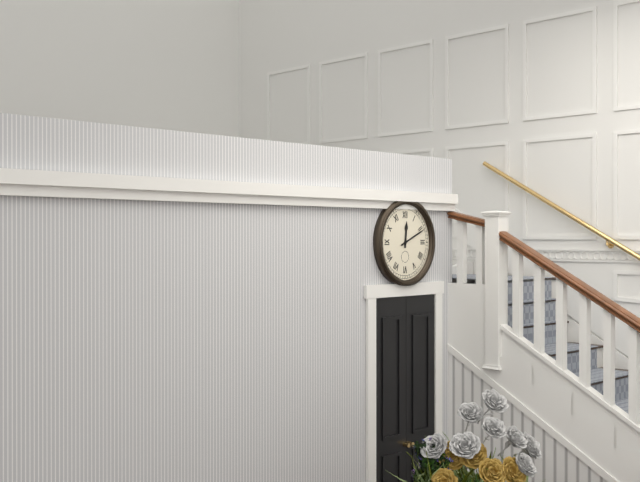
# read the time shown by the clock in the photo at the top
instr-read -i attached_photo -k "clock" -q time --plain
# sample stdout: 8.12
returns 12.11
